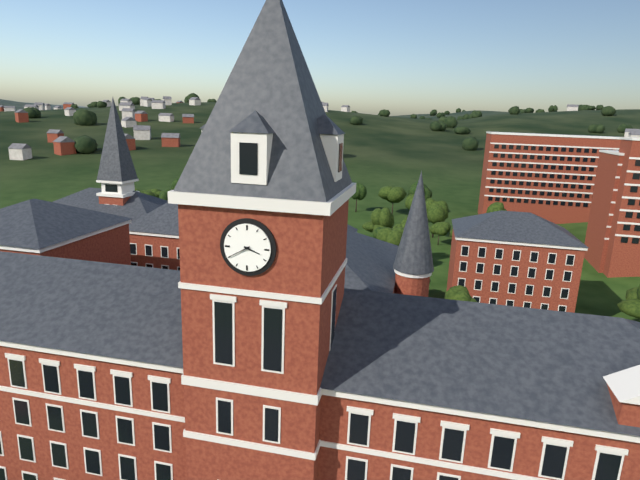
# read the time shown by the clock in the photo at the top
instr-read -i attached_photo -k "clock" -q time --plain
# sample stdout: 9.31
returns 3.40
